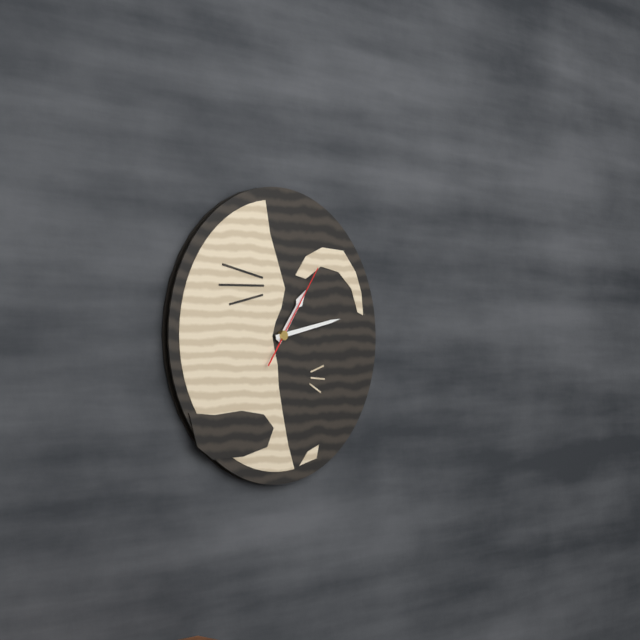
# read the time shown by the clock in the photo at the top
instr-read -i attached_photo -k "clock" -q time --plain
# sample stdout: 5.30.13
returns 1.13.06
